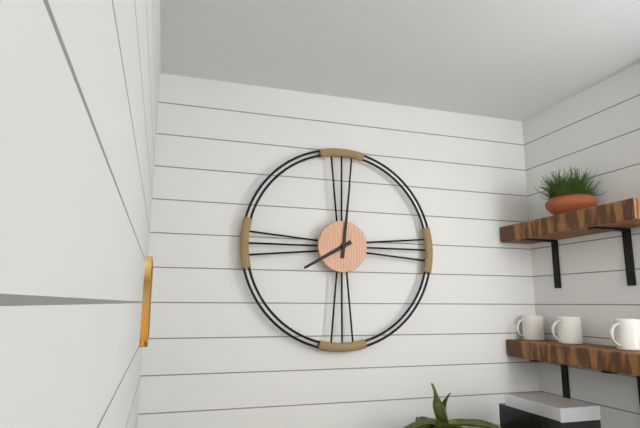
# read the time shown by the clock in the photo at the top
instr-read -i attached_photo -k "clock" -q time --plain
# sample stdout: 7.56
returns 8.01
